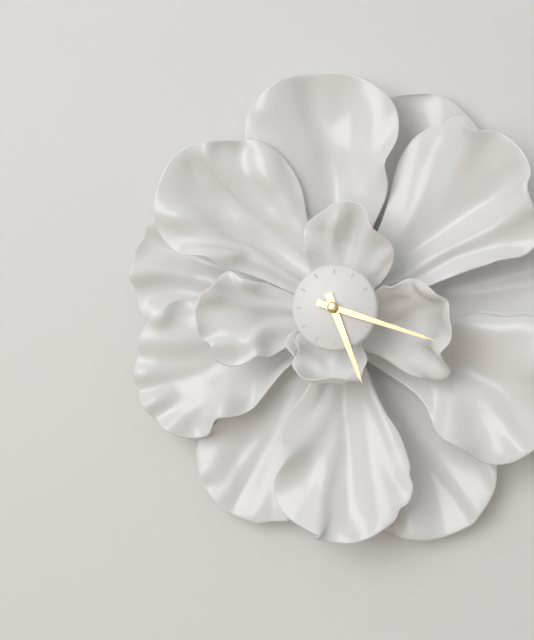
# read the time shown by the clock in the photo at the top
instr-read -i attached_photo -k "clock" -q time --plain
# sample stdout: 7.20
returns 5.18
